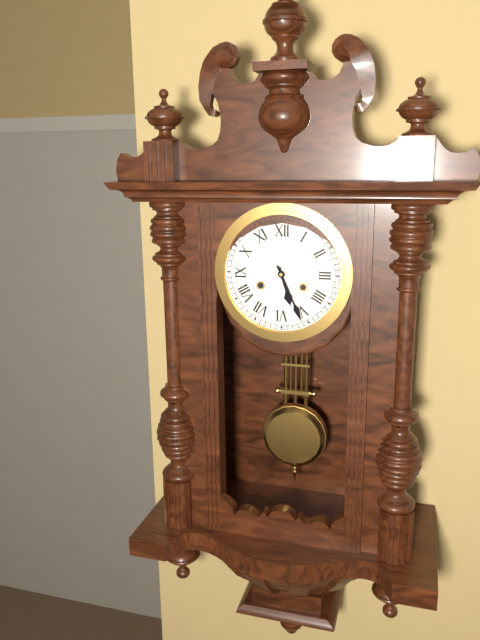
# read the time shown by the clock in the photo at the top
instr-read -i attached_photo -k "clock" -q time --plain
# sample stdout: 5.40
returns 5.26
